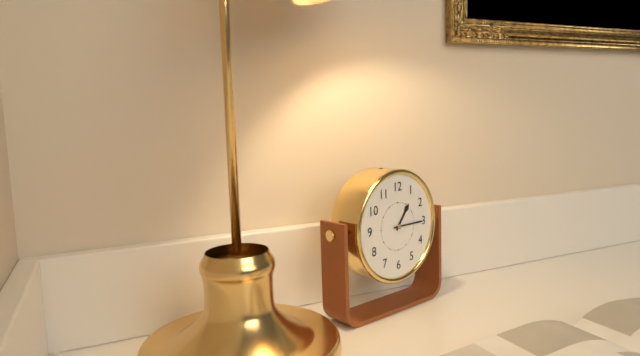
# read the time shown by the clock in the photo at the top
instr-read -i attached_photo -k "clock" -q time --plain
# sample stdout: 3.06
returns 1.15
